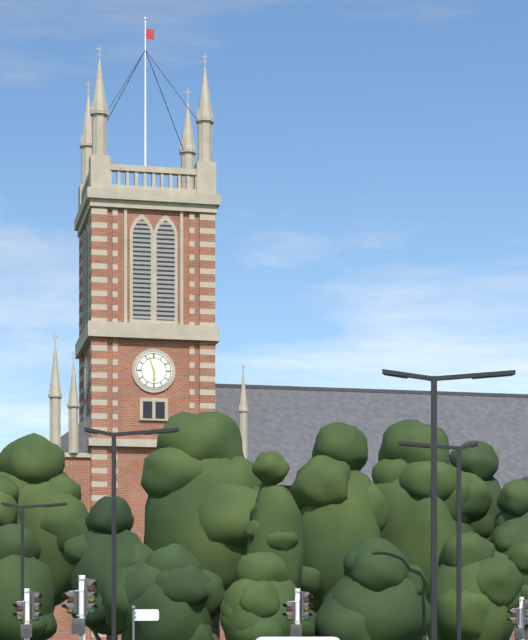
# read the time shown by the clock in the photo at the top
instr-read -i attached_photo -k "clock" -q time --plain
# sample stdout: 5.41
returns 5.57
